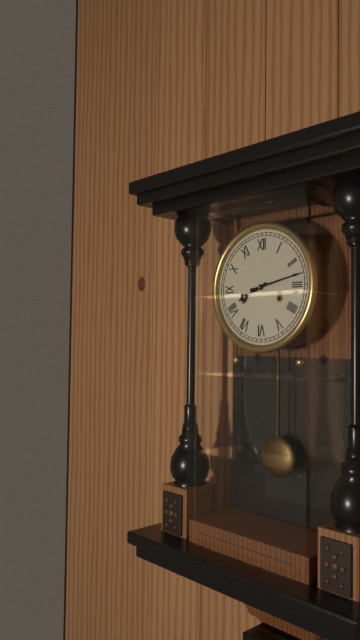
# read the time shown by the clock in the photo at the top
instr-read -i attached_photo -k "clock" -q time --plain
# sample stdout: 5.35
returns 8.13
